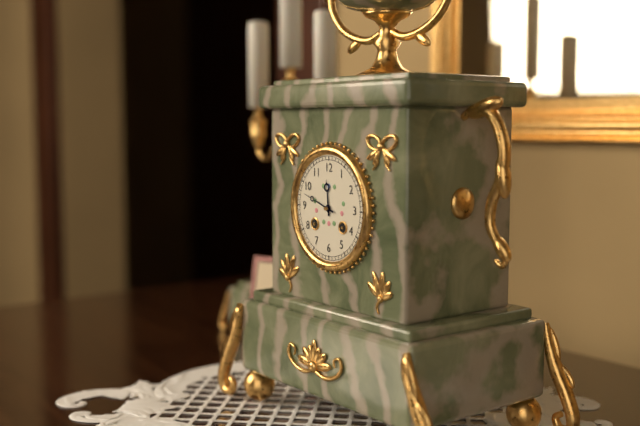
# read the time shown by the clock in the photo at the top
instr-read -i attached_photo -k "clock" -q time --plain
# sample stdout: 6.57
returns 11.48
